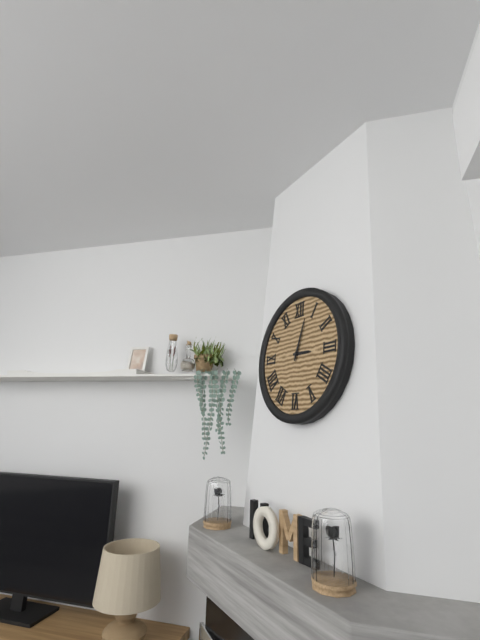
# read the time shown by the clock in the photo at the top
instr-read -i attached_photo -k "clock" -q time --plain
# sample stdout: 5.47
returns 3.03
